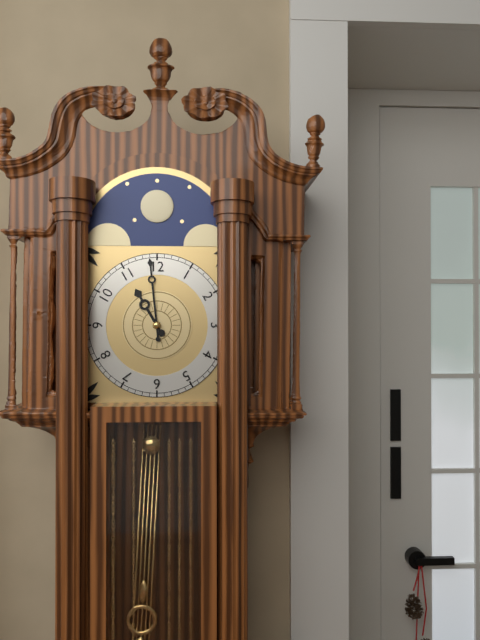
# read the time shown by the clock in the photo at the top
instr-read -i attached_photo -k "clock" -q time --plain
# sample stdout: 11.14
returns 10.59
